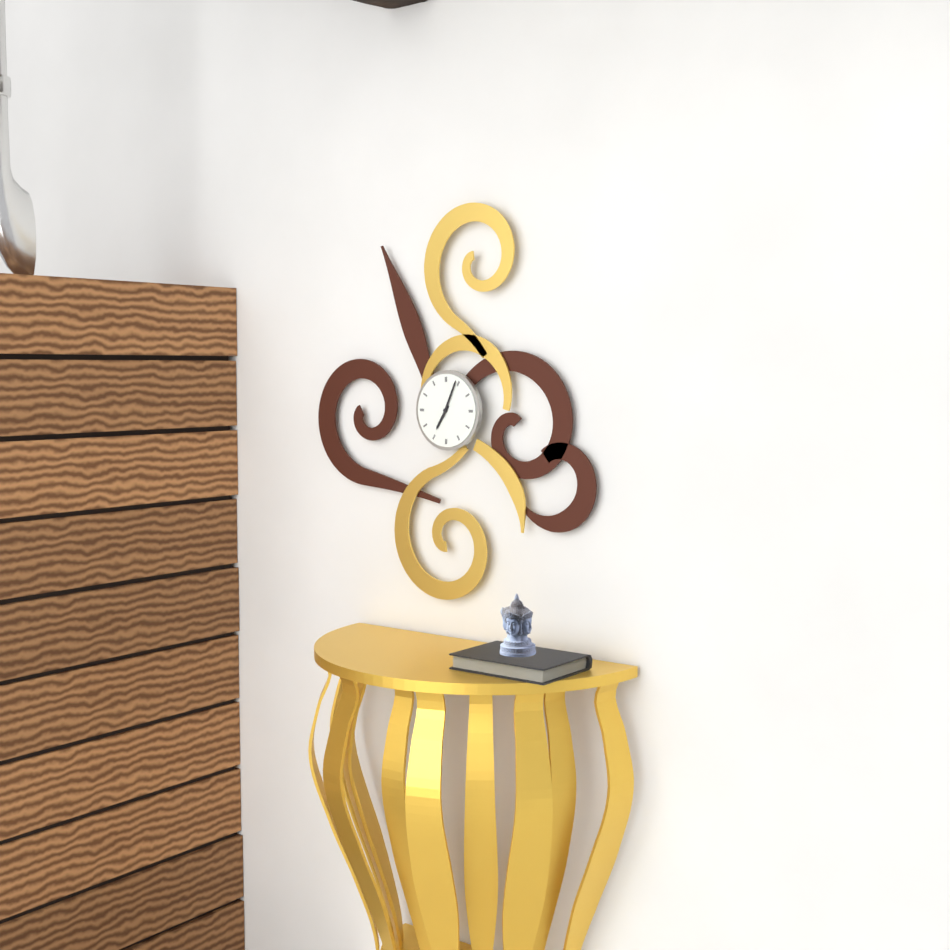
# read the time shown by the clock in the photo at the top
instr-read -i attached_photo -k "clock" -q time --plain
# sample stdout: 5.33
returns 7.04
